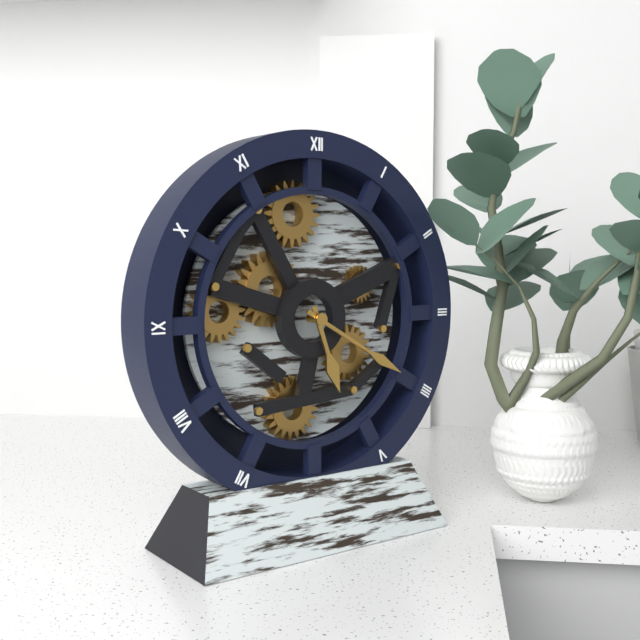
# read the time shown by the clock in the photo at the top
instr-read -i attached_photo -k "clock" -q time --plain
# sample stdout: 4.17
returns 5.20
